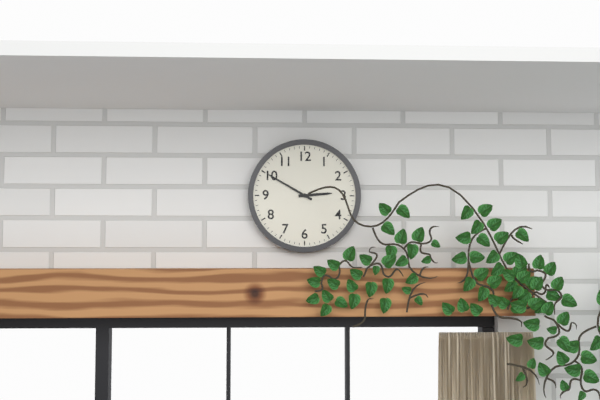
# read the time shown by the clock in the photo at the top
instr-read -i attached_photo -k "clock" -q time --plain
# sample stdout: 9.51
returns 2.50
